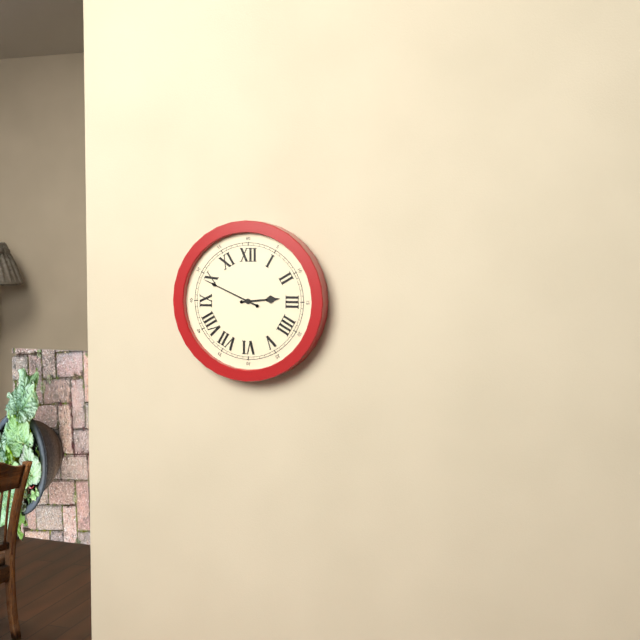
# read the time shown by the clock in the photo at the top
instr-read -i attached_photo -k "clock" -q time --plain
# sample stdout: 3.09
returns 2.49
